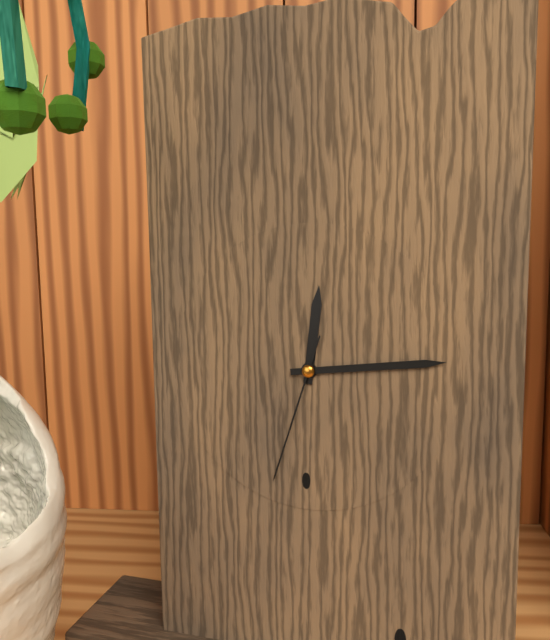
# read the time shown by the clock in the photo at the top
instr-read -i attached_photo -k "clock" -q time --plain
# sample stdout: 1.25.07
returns 12.14.33
